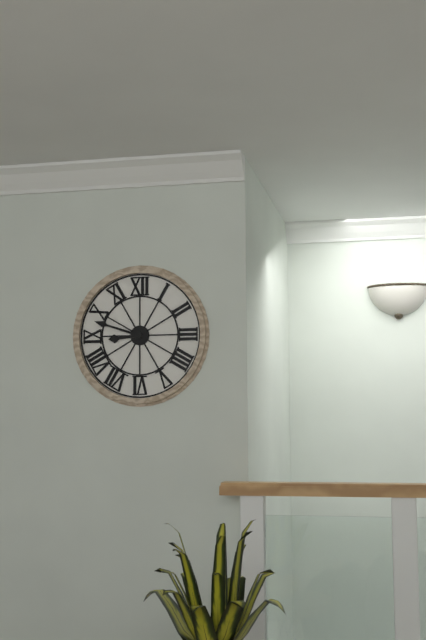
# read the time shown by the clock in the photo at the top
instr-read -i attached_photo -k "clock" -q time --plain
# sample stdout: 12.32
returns 8.48
